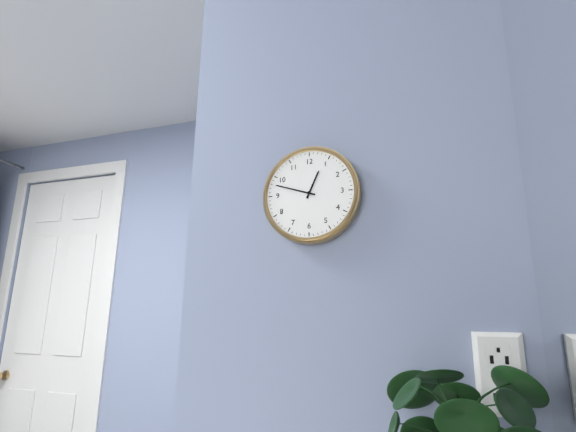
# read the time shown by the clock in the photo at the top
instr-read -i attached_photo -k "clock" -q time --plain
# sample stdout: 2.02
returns 12.48
